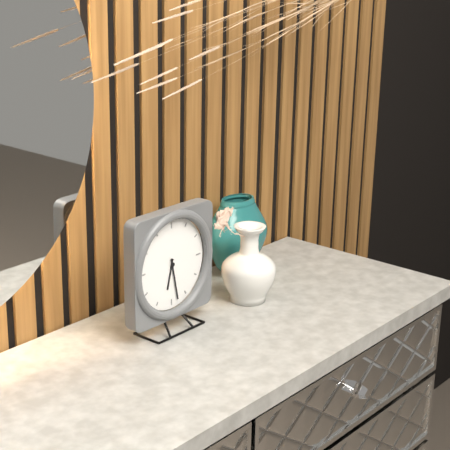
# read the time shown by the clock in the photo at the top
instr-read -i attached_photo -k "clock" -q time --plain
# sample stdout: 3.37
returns 6.28
